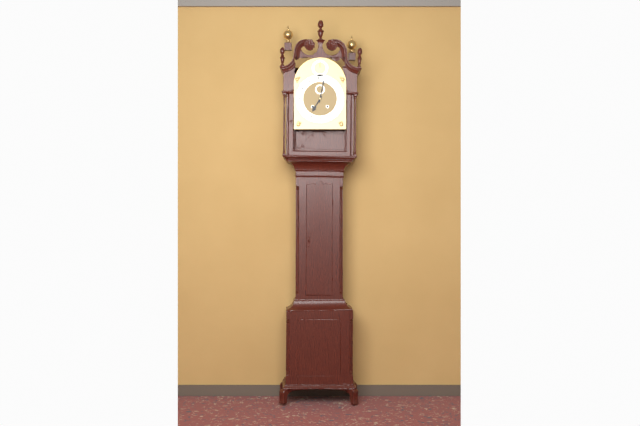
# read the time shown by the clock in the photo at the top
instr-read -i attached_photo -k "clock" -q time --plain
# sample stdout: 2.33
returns 7.02
